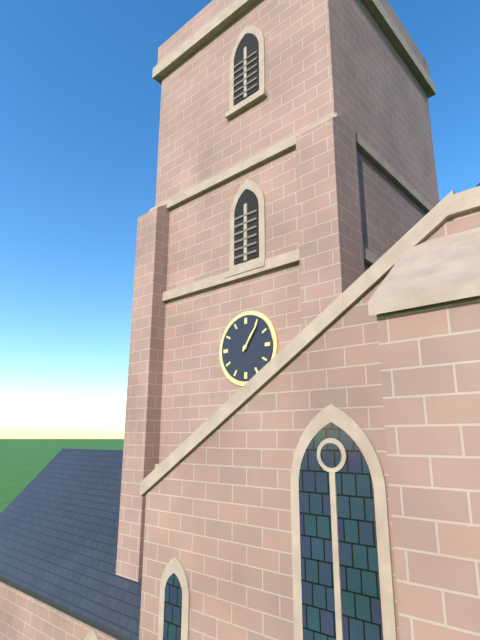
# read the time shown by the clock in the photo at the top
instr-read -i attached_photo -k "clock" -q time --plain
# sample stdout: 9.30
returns 1.06
